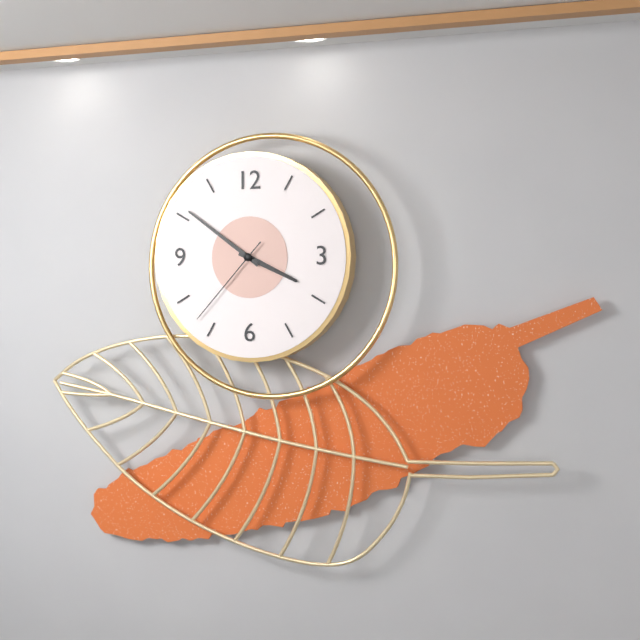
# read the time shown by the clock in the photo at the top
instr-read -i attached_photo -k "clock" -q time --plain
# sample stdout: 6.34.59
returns 3.51.37
